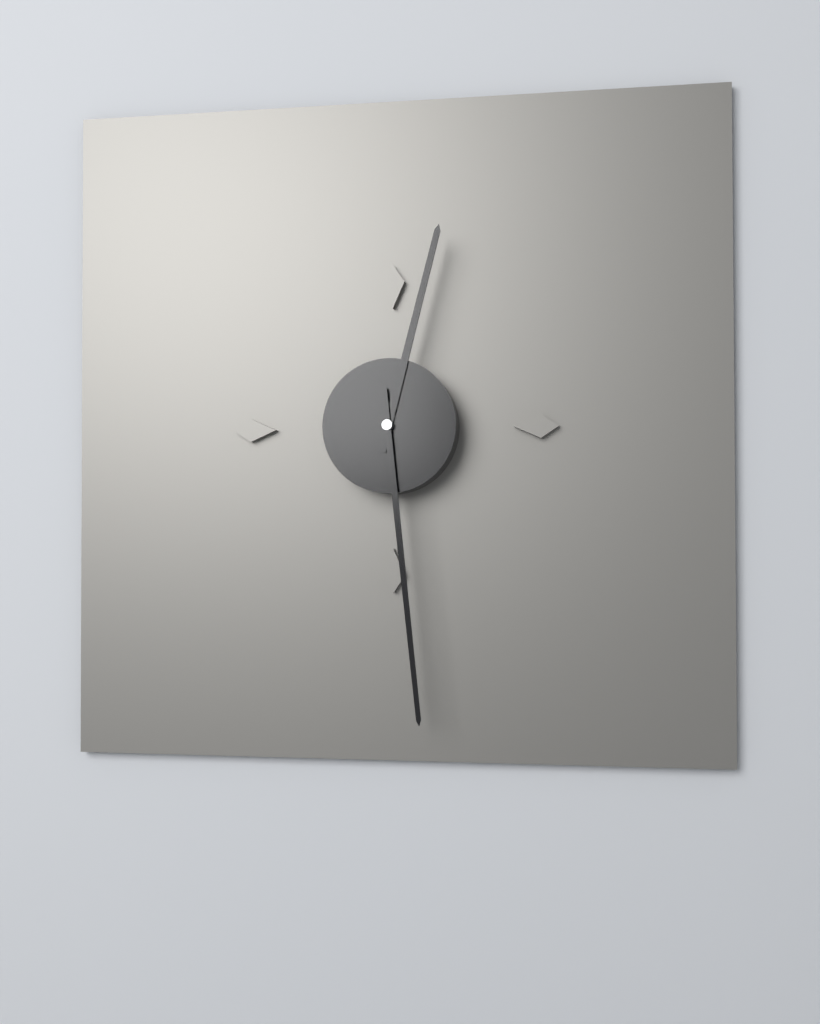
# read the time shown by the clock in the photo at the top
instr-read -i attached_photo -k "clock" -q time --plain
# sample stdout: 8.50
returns 12.29
